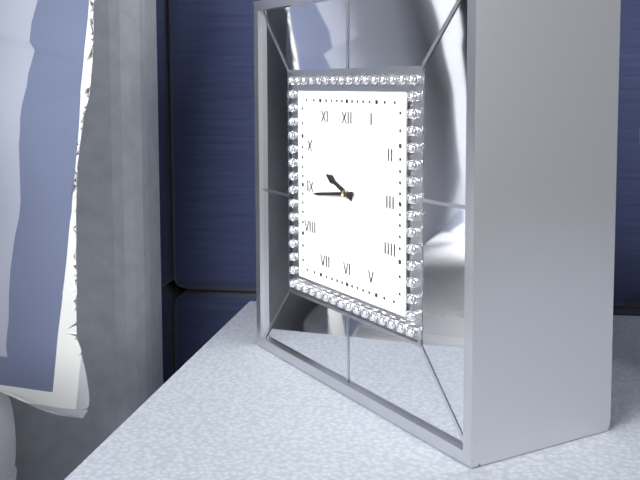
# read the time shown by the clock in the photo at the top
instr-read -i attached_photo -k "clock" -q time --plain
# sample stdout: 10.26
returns 9.44
